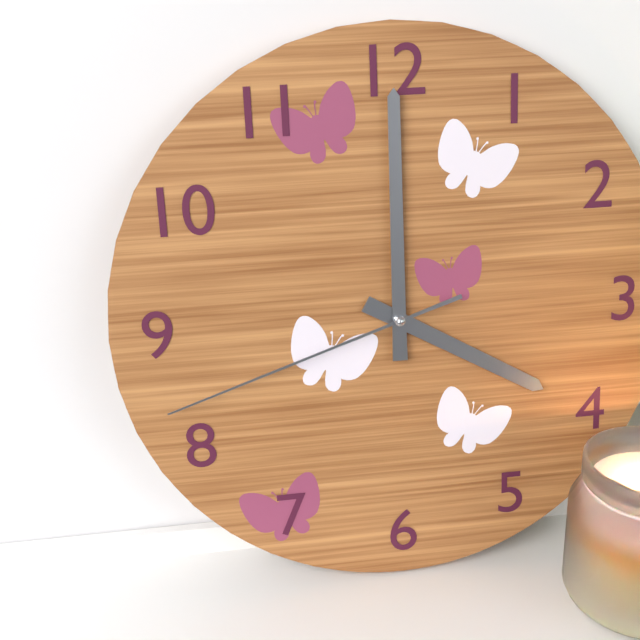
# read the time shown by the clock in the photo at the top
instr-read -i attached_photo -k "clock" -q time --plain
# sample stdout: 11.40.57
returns 4.00.42
